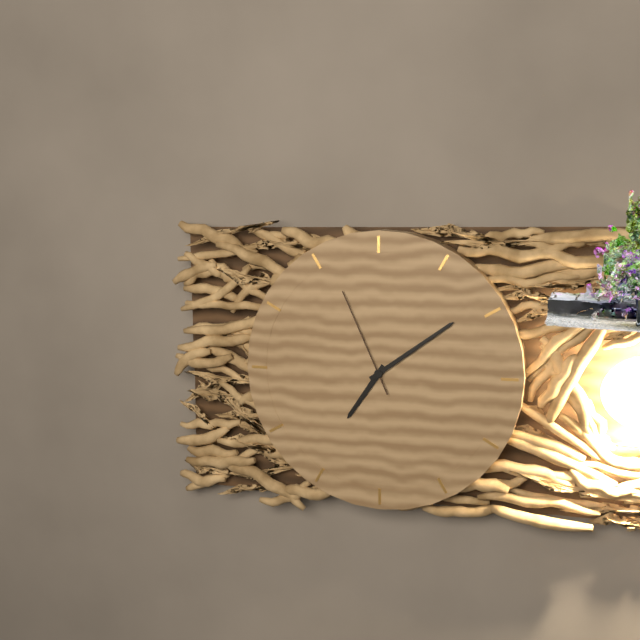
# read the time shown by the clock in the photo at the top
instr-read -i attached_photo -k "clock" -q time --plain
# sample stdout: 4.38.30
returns 7.09.56
